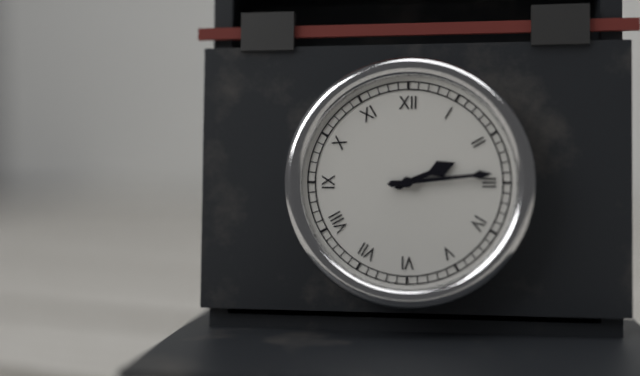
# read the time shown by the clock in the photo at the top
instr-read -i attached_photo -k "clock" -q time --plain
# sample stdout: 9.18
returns 2.14
